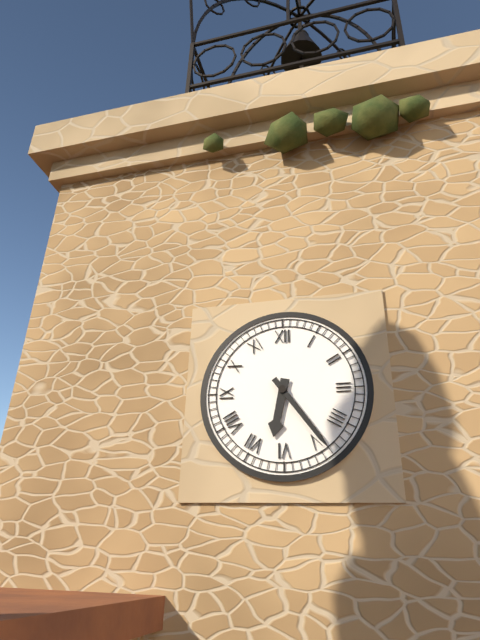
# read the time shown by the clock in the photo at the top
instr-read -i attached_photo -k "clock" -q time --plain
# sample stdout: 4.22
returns 6.24
